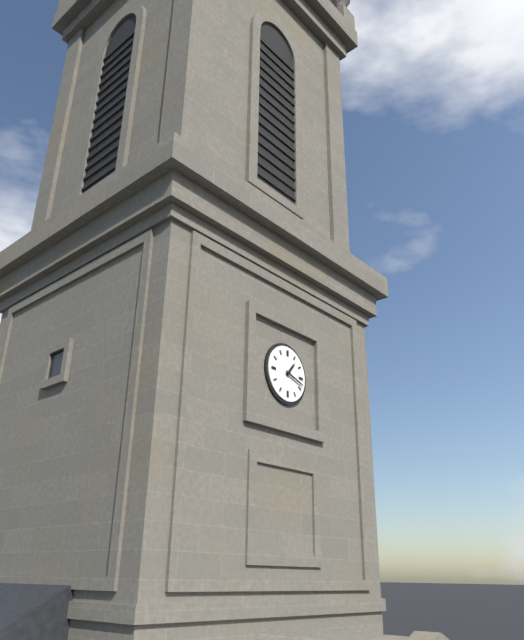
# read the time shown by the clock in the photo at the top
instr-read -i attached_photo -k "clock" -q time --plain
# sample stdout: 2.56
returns 1.18
